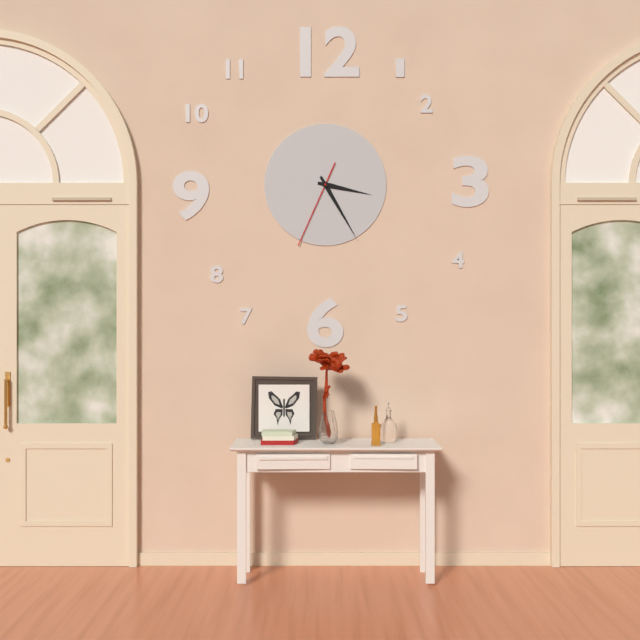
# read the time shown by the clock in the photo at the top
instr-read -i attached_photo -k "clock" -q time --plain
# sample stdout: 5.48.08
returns 3.25.34
